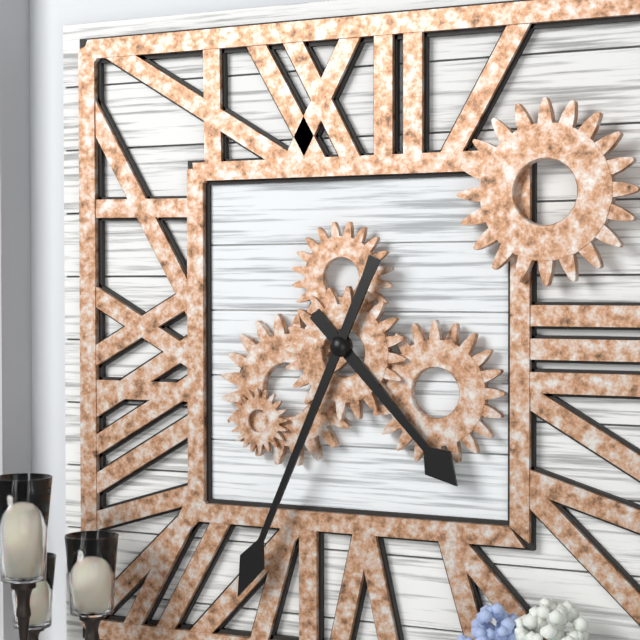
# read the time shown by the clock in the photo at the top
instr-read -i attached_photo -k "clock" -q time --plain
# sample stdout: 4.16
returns 4.34
